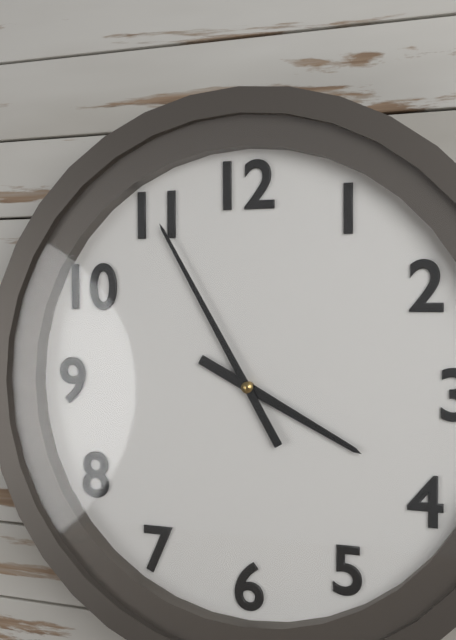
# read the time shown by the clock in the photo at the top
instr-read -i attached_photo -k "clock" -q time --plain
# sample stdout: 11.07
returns 3.55
